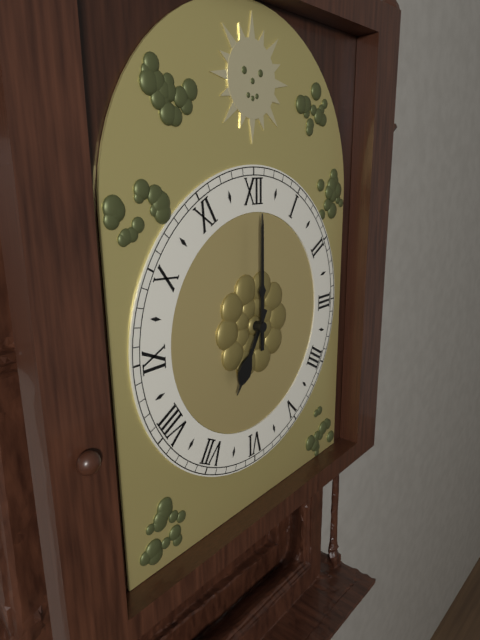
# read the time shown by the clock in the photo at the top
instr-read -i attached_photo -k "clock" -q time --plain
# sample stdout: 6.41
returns 7.00
